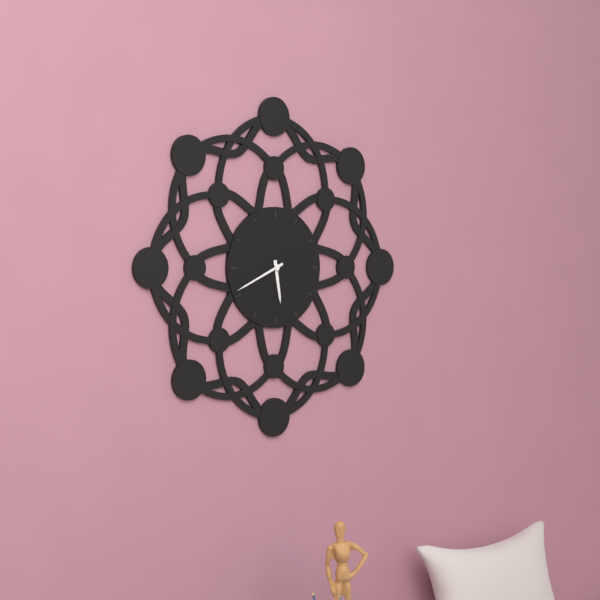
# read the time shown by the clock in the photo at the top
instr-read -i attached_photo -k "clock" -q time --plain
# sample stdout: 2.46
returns 5.41
